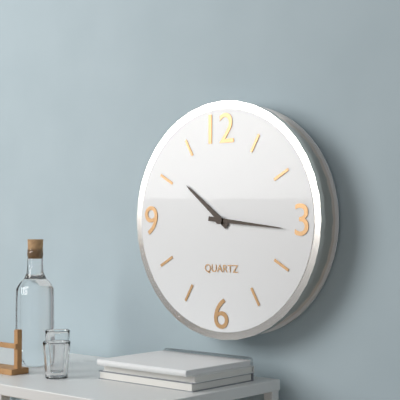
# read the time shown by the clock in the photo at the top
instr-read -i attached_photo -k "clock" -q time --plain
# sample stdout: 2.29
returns 10.16
